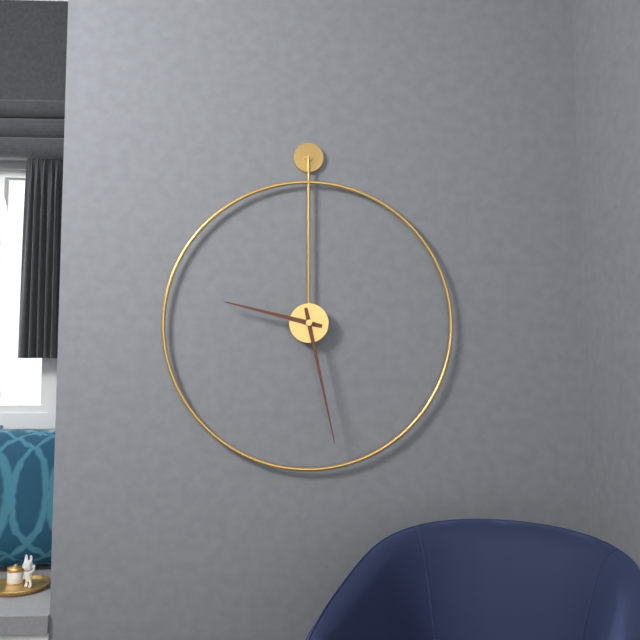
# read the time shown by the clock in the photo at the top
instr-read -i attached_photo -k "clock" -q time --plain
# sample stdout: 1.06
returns 9.28
